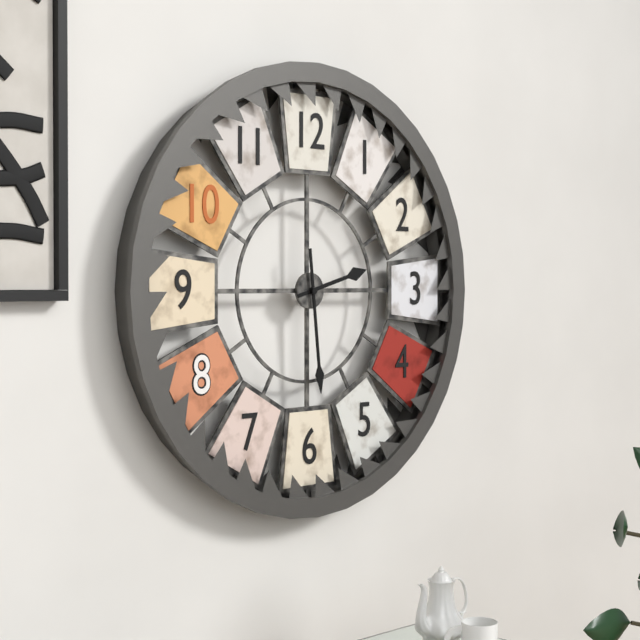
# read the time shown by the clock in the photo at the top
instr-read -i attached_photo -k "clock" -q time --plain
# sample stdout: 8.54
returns 2.29
